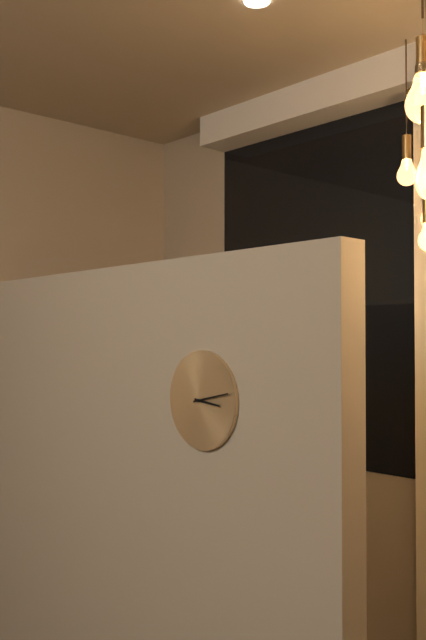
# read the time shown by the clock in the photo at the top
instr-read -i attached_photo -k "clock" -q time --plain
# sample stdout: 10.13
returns 3.13
